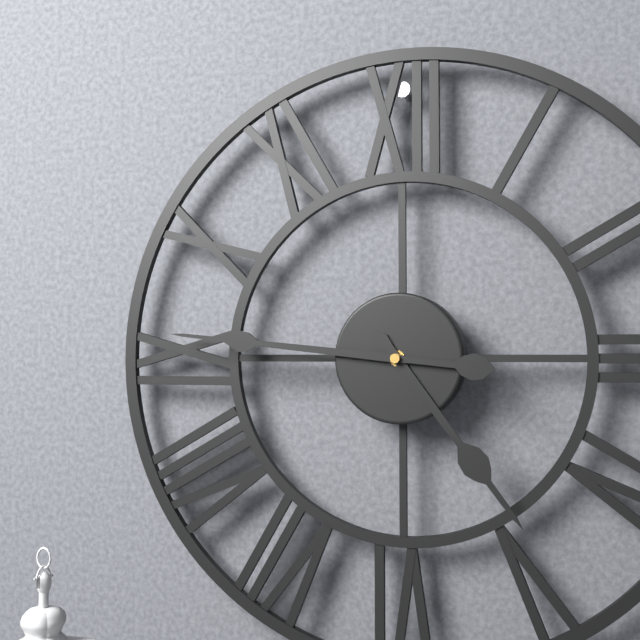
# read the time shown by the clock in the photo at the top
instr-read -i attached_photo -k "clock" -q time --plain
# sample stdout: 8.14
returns 4.46
